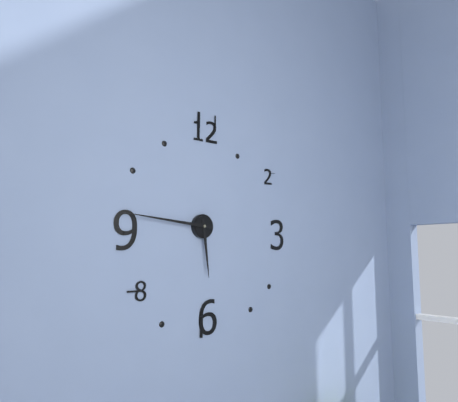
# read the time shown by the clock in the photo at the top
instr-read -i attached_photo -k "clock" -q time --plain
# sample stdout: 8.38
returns 5.46
